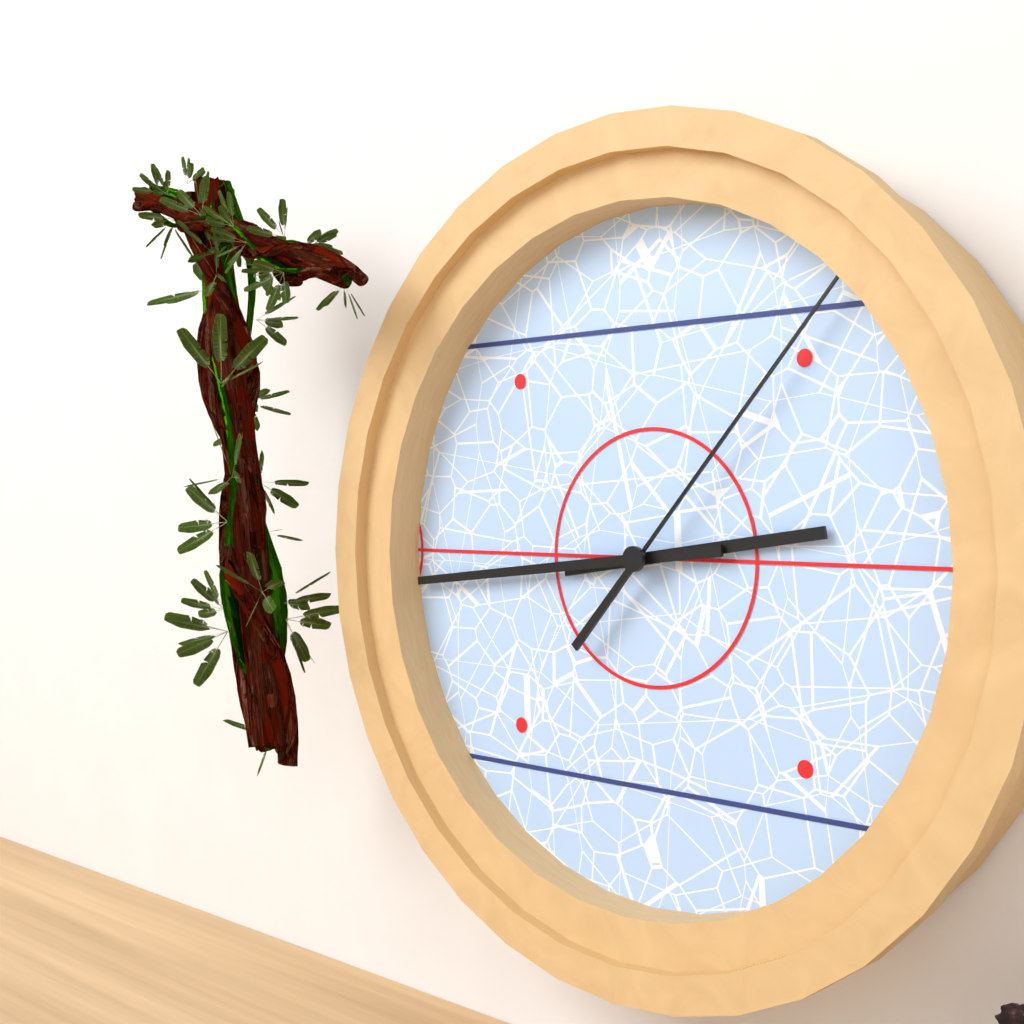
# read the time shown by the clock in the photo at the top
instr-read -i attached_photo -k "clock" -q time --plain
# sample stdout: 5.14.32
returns 2.44.07
